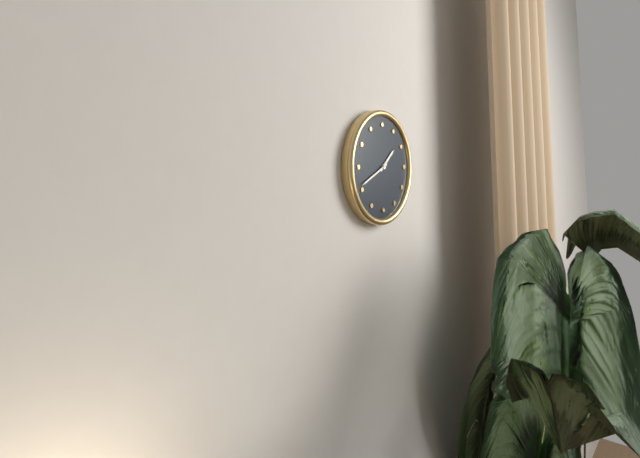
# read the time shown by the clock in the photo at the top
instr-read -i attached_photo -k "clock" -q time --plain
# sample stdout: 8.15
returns 1.41
